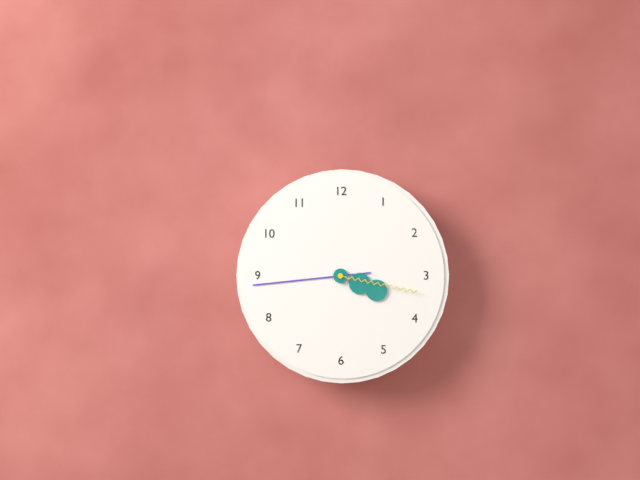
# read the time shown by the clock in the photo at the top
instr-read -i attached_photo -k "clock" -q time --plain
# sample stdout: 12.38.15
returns 3.44.17
